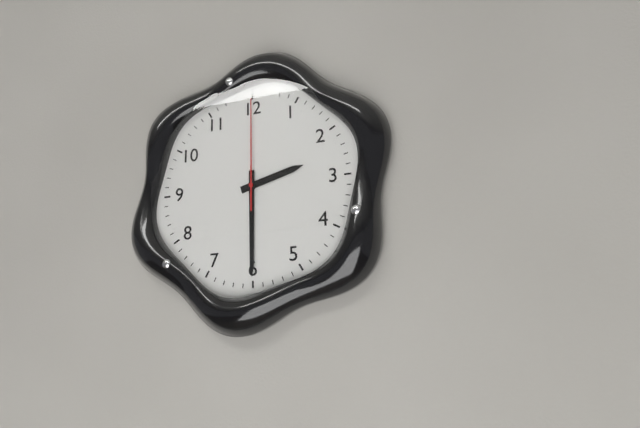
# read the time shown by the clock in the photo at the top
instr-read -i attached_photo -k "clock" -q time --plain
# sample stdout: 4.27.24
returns 2.30.00
